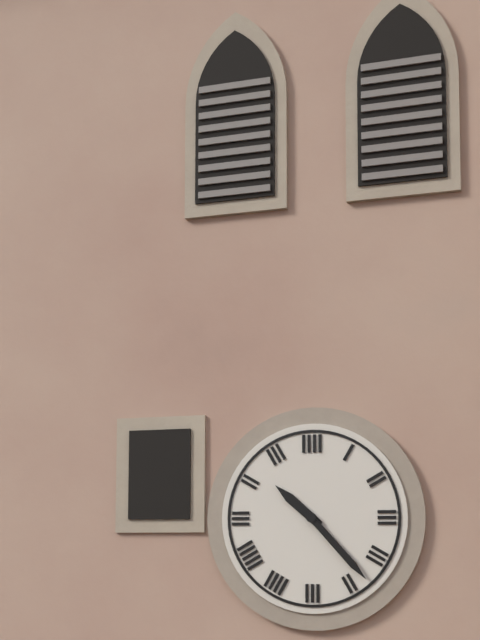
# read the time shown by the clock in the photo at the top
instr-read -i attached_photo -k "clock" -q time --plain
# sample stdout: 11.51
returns 10.23
